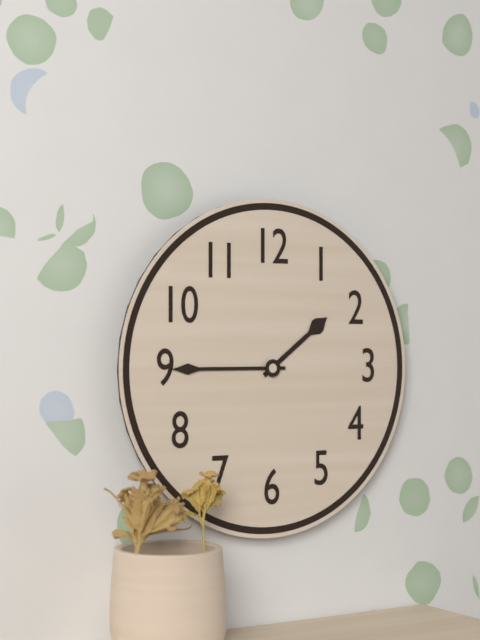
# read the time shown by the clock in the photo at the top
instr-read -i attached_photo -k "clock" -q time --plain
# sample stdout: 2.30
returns 1.45
